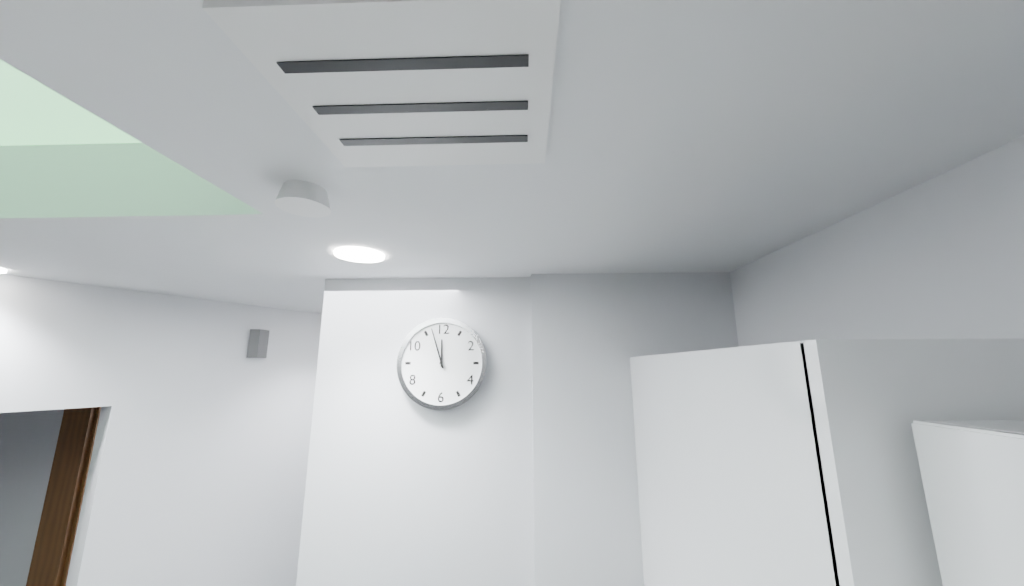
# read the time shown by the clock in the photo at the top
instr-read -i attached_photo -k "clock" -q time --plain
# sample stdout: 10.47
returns 11.57
